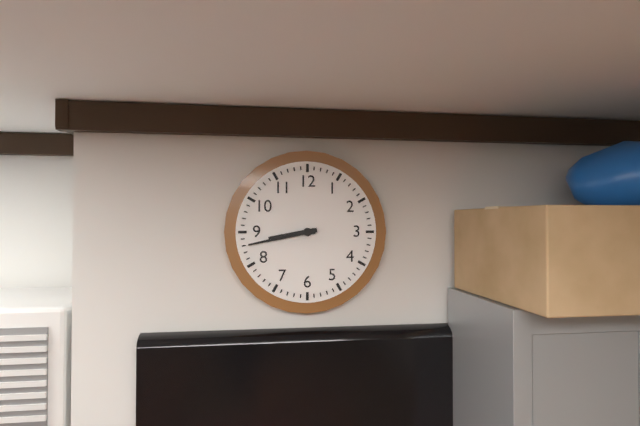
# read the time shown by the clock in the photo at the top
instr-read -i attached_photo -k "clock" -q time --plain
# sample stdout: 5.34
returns 8.43
